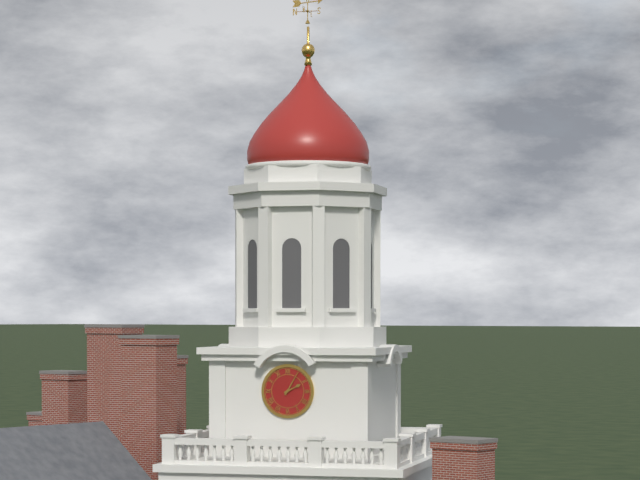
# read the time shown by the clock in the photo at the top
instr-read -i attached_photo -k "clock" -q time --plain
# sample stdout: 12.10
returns 2.05
